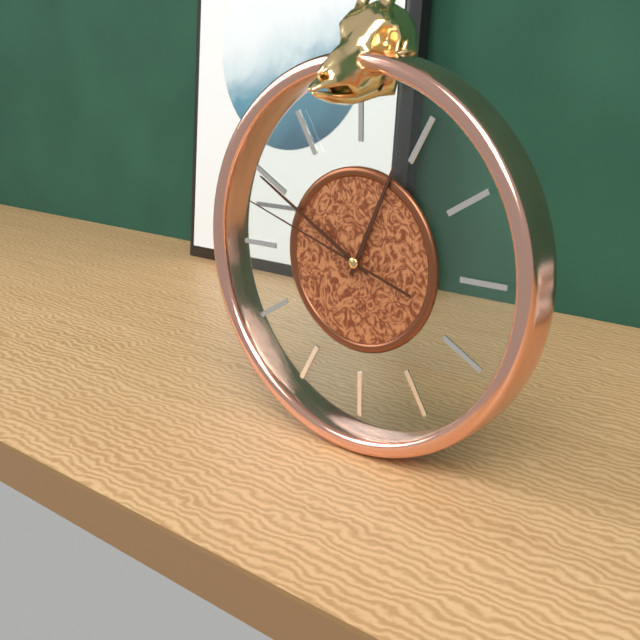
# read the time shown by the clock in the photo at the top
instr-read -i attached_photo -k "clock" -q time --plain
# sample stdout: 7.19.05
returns 12.50.48
